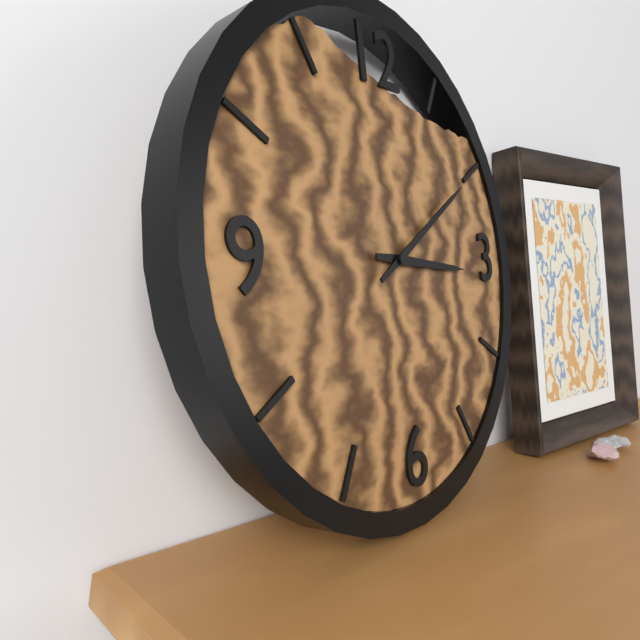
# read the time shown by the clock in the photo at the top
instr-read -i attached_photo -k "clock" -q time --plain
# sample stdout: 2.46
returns 3.10
